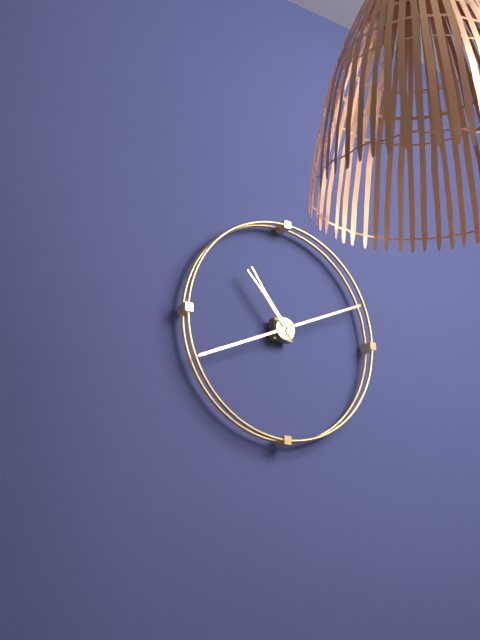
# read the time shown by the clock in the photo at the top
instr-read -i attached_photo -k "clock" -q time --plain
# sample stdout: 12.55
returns 10.41
